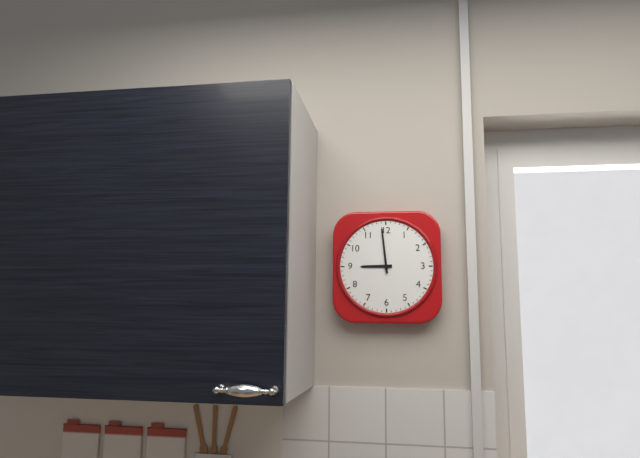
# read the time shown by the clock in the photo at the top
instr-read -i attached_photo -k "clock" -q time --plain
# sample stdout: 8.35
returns 8.59
